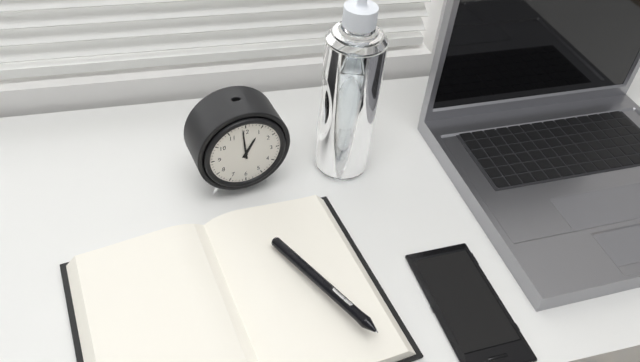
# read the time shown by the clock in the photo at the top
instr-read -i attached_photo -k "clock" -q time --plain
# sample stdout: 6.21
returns 12.59
